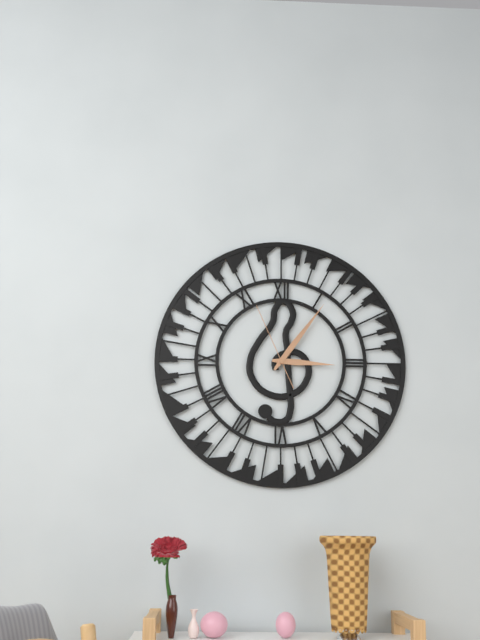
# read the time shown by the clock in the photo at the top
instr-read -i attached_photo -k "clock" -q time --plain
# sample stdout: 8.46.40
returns 3.06.56
